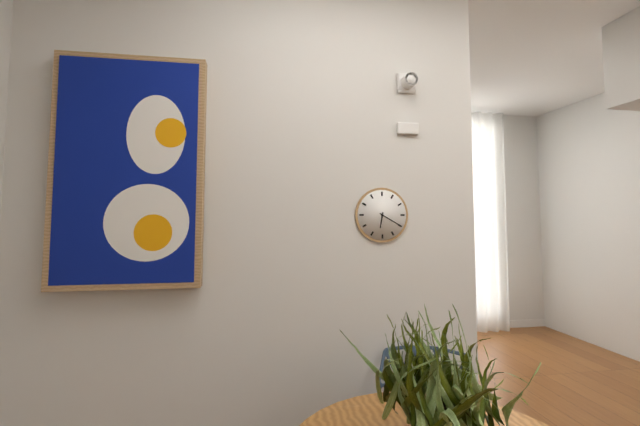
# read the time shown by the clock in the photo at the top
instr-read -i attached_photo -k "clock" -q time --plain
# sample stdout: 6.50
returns 6.20
